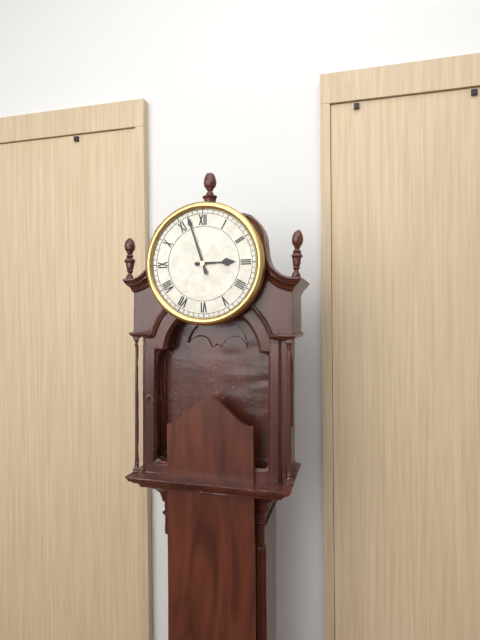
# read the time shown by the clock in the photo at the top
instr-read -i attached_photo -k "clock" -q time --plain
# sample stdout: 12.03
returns 2.57
